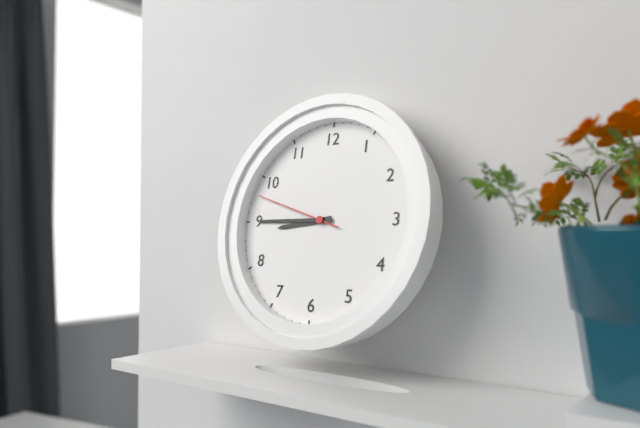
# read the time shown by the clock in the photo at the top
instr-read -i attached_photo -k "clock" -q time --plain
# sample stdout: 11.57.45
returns 8.45.48
